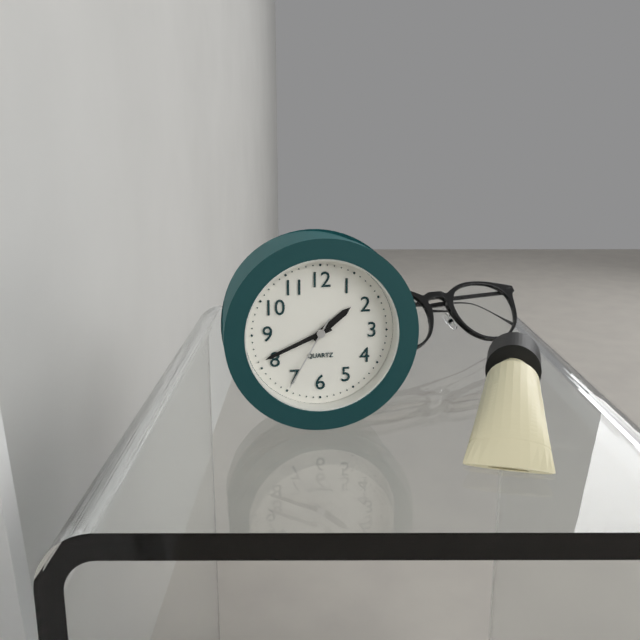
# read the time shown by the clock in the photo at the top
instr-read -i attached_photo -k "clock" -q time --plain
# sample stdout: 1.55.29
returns 1.41.35
